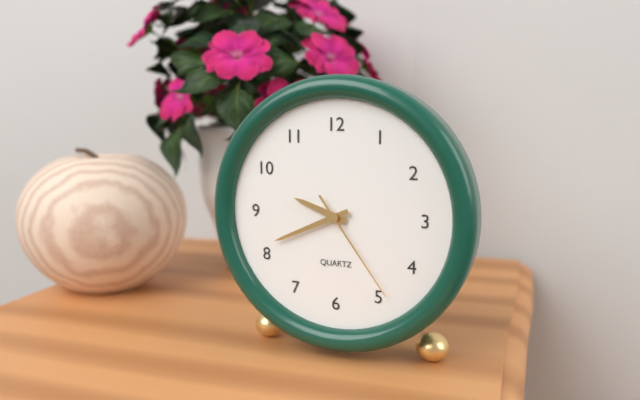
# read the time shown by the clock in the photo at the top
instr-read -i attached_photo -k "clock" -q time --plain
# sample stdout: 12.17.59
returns 9.41.24
